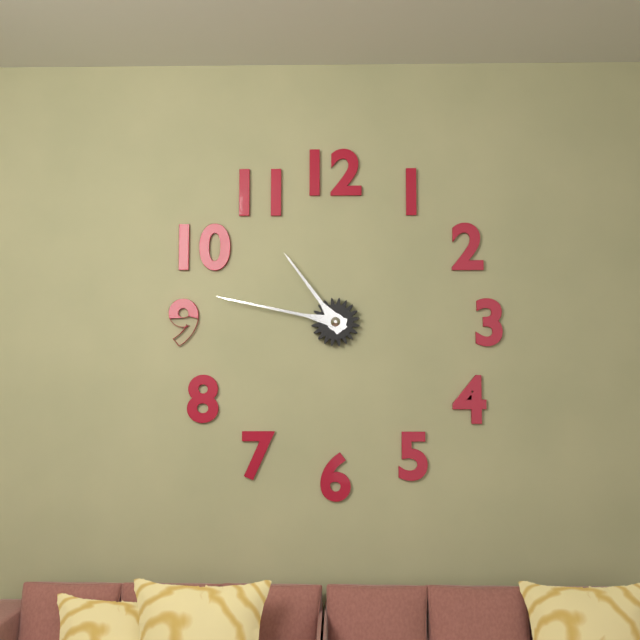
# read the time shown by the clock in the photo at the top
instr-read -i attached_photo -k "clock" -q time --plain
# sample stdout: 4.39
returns 10.47
